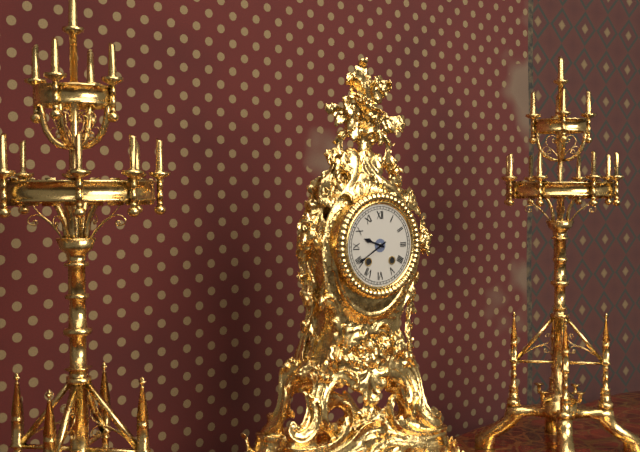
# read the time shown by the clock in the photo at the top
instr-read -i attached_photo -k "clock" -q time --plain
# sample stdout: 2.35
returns 9.40
